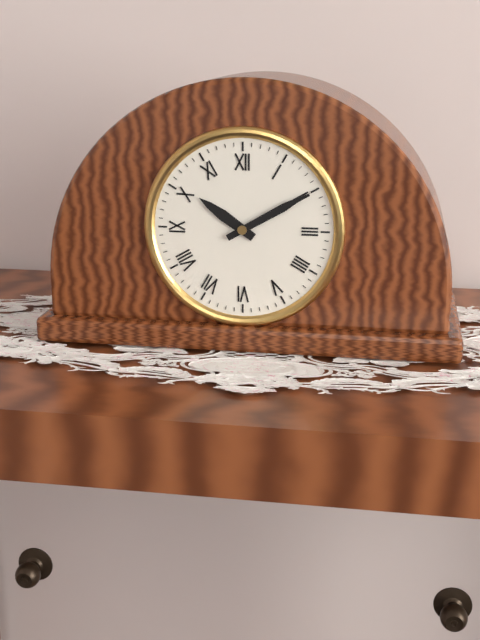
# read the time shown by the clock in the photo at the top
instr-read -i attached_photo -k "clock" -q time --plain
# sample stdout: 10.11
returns 10.10
